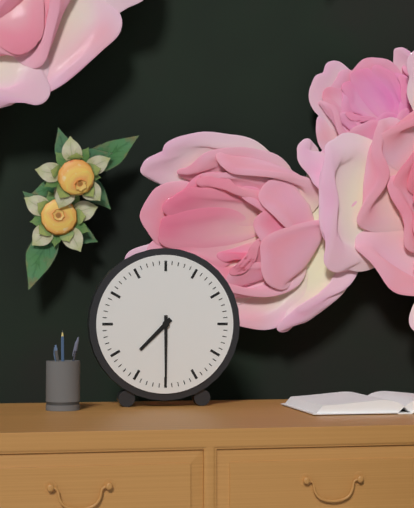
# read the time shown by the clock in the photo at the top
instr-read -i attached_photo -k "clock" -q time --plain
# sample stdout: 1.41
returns 7.30
